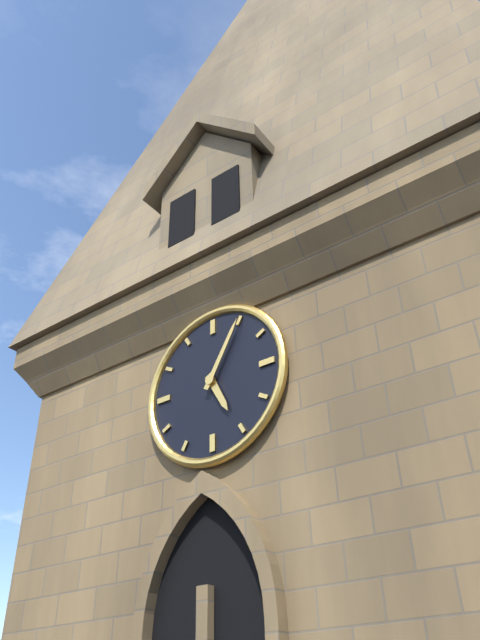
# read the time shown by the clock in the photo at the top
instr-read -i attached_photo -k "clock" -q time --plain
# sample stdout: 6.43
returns 5.05
